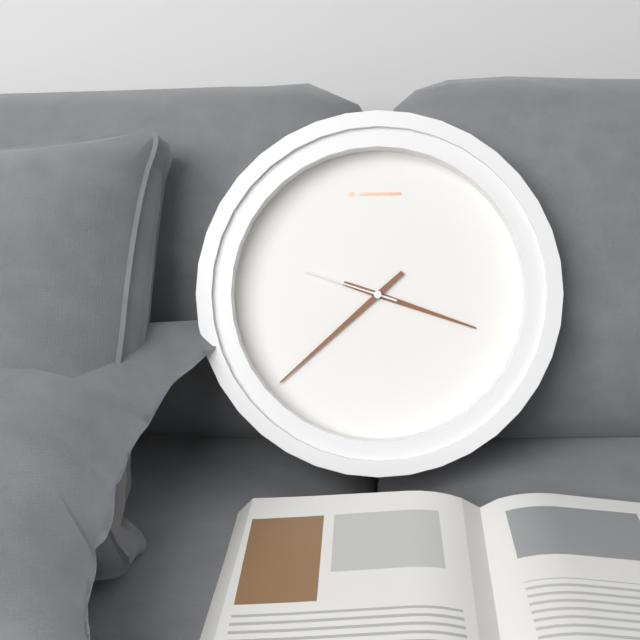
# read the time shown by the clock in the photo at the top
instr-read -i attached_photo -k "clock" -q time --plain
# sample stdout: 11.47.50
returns 3.38.48
